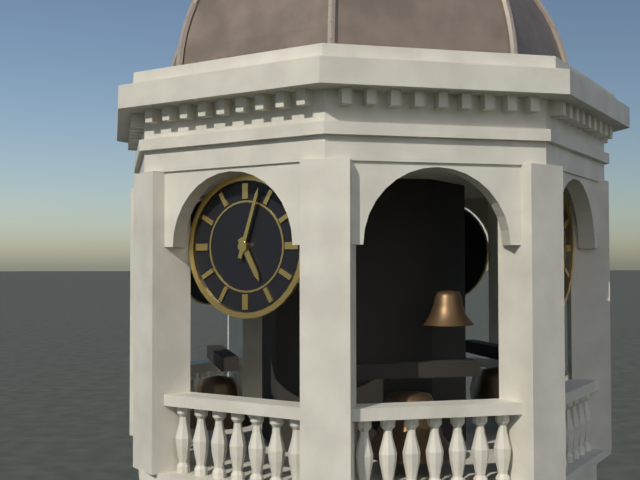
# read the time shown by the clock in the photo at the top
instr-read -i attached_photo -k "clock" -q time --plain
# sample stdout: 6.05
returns 5.03
